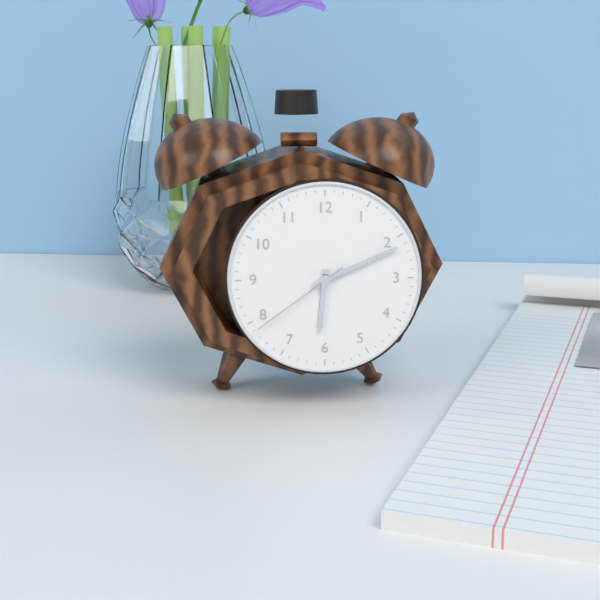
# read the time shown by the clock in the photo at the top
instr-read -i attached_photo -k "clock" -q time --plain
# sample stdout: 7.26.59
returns 6.11.39
